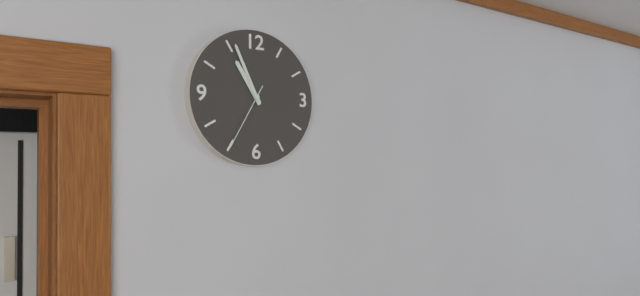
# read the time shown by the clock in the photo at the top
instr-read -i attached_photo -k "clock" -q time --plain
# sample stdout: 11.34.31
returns 10.56.35
